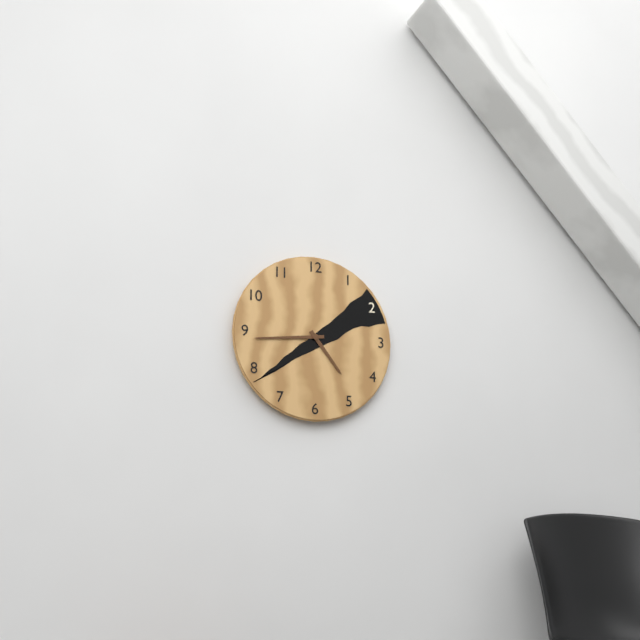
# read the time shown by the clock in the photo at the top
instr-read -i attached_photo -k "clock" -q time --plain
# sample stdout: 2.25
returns 4.44
